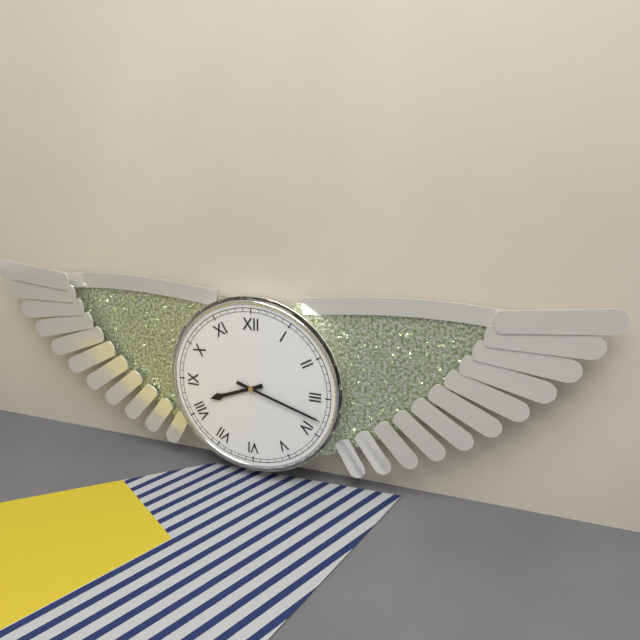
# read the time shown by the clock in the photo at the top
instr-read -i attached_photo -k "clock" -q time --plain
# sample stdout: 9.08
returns 8.18
